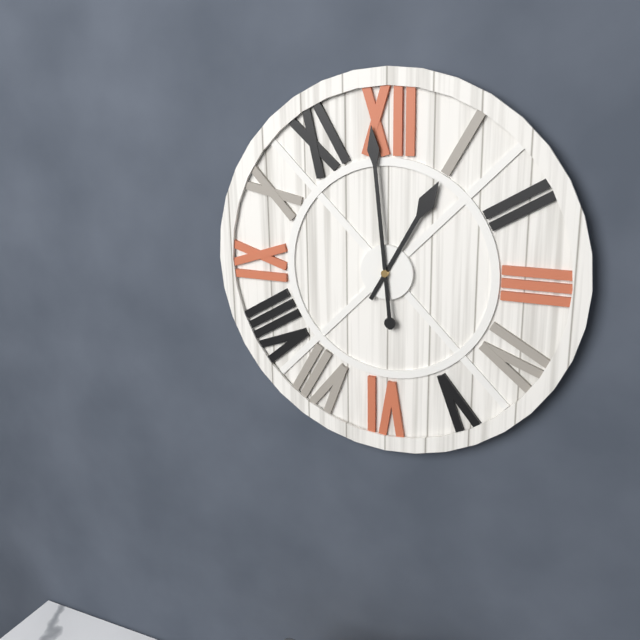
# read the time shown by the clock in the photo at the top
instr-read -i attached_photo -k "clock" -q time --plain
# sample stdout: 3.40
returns 12.59
